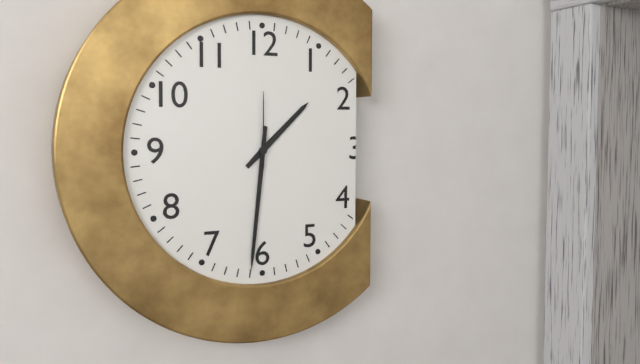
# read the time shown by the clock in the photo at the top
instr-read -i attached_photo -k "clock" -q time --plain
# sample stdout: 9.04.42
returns 1.31.00
